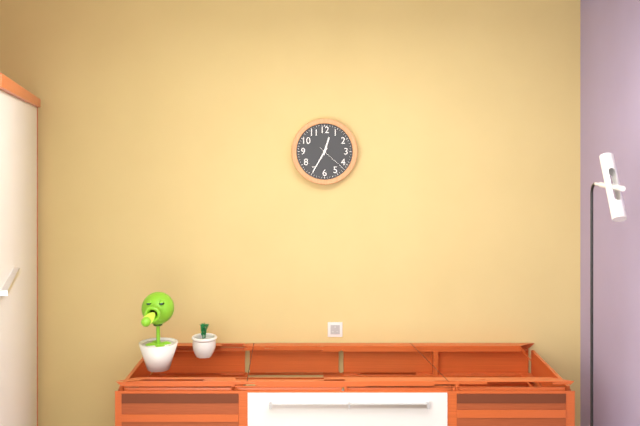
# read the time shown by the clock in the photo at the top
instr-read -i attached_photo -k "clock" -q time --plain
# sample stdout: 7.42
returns 12.35
